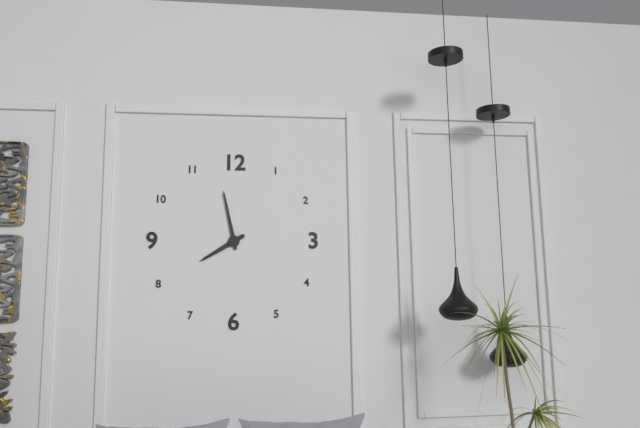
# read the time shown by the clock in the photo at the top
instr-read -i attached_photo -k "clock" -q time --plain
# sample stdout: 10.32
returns 7.58
